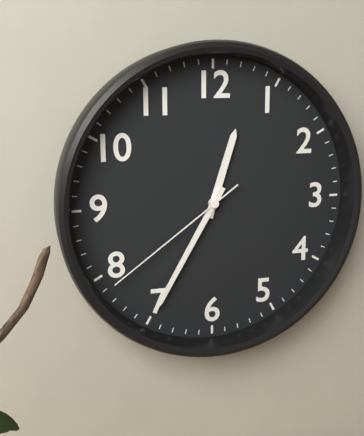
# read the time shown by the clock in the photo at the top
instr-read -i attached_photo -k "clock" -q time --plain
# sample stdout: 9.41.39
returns 12.35.39
